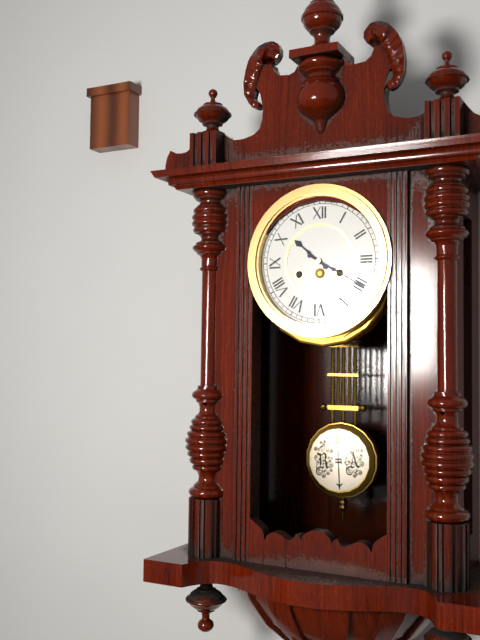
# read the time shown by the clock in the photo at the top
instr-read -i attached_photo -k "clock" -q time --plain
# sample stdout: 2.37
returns 10.20
